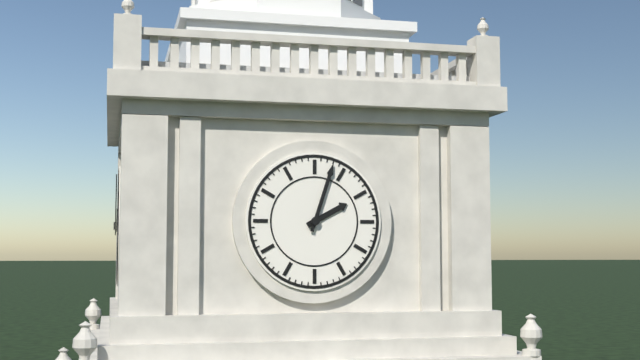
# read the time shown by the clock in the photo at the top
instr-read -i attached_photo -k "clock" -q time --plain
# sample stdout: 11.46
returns 2.03
